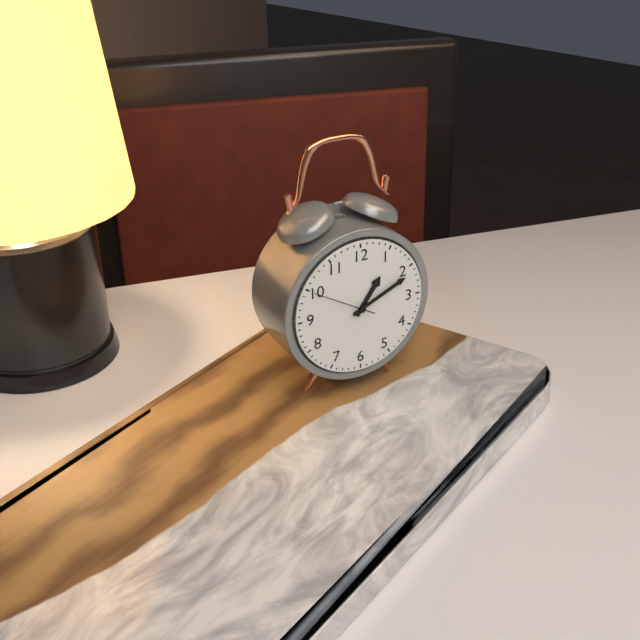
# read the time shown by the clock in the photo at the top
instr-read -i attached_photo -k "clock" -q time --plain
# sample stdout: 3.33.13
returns 1.11.50
